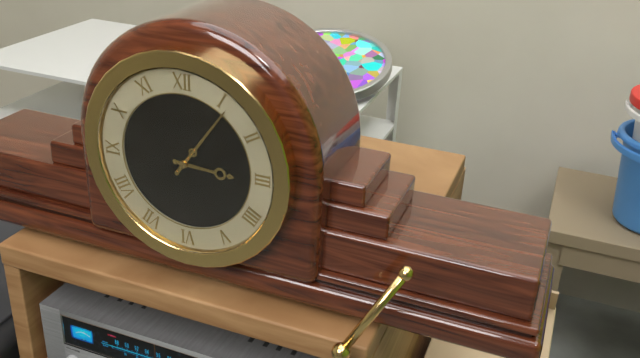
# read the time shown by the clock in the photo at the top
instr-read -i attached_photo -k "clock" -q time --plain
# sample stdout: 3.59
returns 3.06
